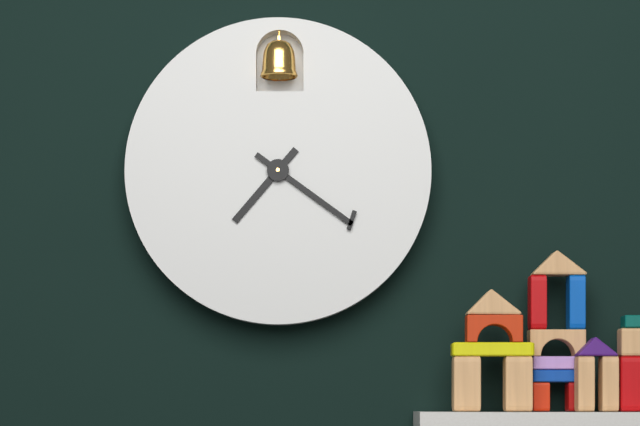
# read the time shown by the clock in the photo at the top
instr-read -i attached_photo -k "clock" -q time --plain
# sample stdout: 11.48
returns 7.21
